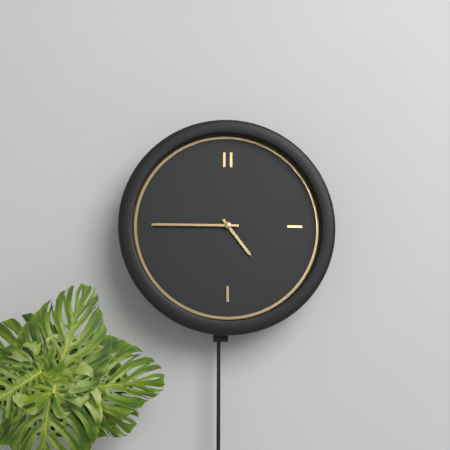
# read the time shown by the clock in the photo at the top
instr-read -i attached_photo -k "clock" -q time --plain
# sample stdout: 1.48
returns 4.45
